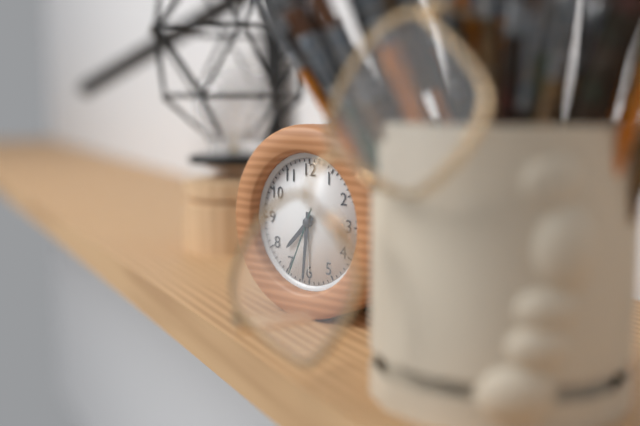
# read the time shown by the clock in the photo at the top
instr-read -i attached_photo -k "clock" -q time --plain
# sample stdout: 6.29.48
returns 7.31.34
